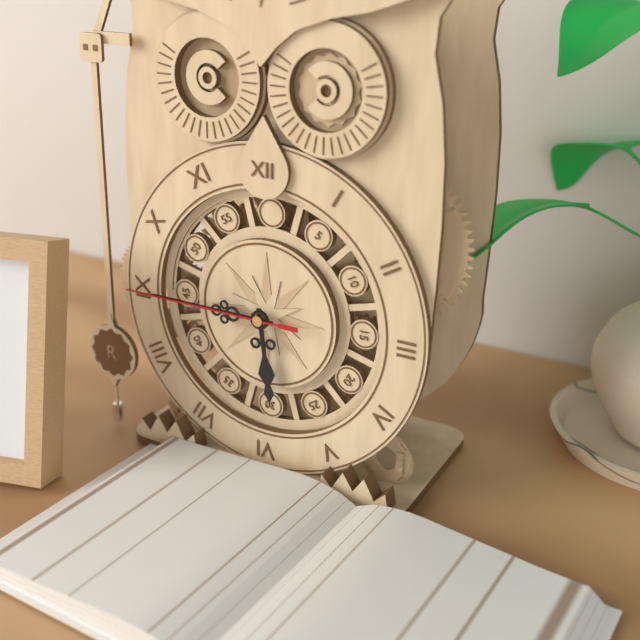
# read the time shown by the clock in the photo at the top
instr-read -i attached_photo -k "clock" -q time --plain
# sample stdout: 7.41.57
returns 5.45.45
